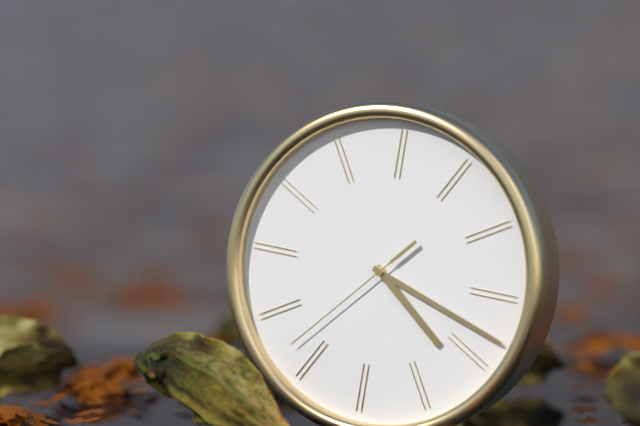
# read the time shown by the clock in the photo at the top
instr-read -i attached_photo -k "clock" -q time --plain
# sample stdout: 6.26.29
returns 4.18.37
